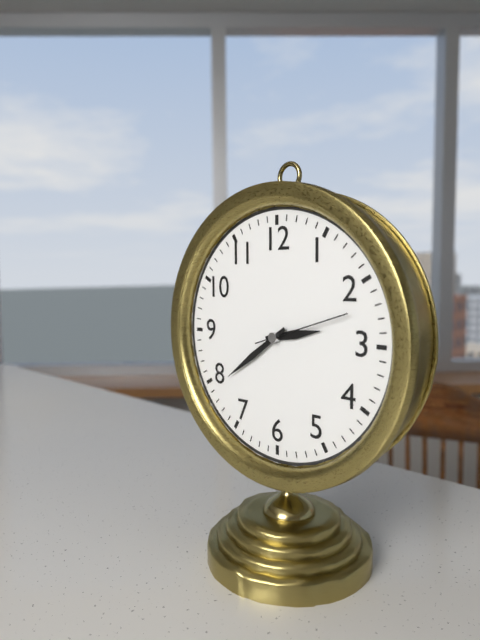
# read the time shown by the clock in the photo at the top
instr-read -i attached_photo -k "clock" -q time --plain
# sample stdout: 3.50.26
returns 2.39.12
